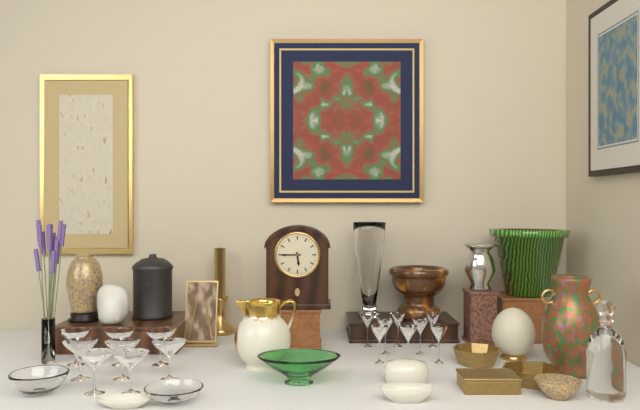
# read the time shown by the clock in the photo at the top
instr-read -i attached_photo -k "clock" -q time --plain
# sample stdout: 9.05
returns 5.45
